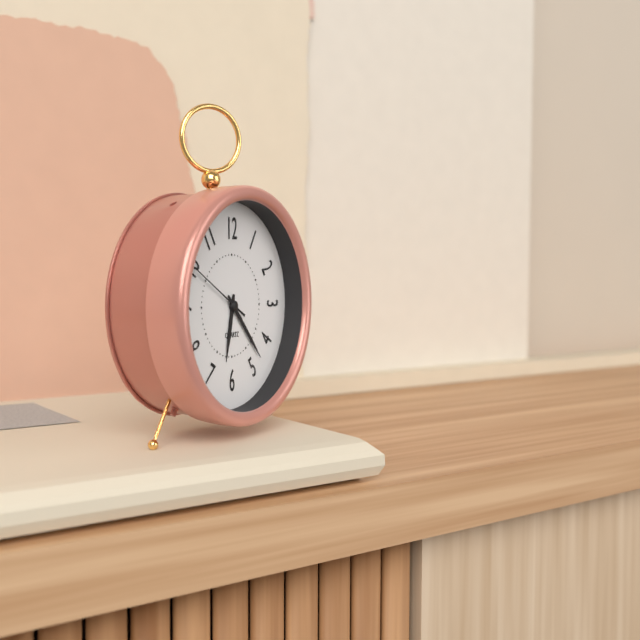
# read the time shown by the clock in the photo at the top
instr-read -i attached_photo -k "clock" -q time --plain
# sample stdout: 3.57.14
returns 6.23.50
